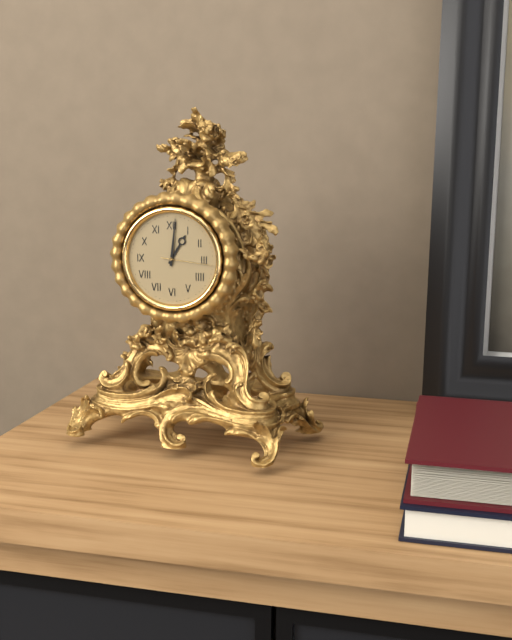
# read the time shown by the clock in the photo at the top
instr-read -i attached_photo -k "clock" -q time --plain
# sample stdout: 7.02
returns 1.01
